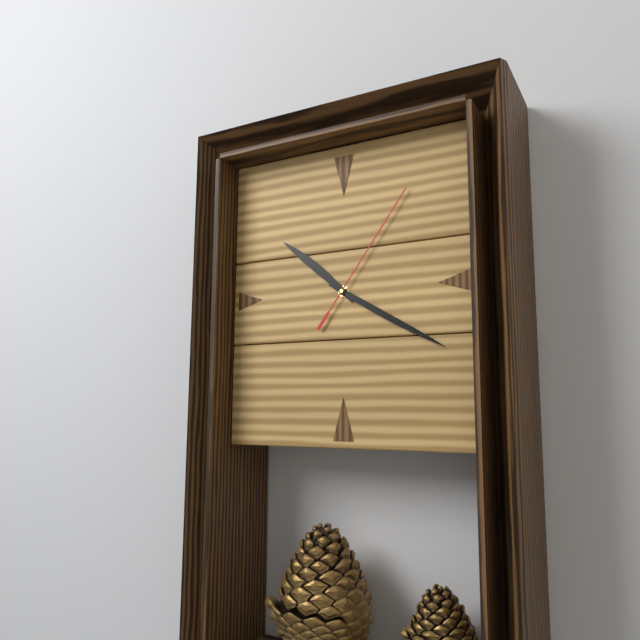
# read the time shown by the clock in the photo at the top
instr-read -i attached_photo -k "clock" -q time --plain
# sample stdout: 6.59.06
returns 10.20.06
